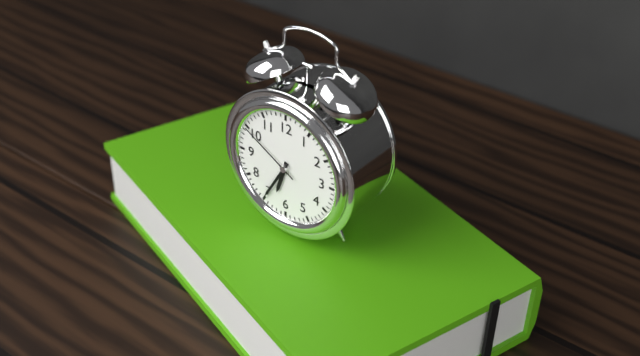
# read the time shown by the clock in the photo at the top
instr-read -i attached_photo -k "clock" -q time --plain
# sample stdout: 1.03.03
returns 6.35.50
